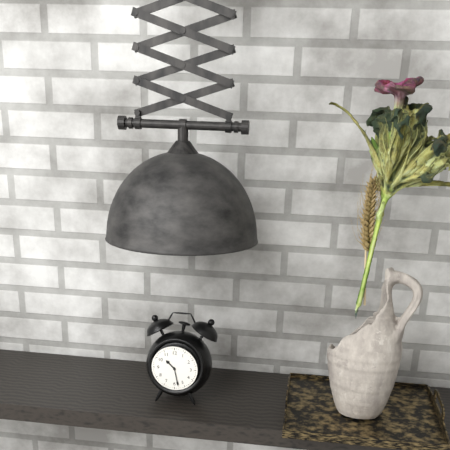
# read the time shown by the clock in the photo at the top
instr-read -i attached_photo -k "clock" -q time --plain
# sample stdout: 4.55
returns 10.28
